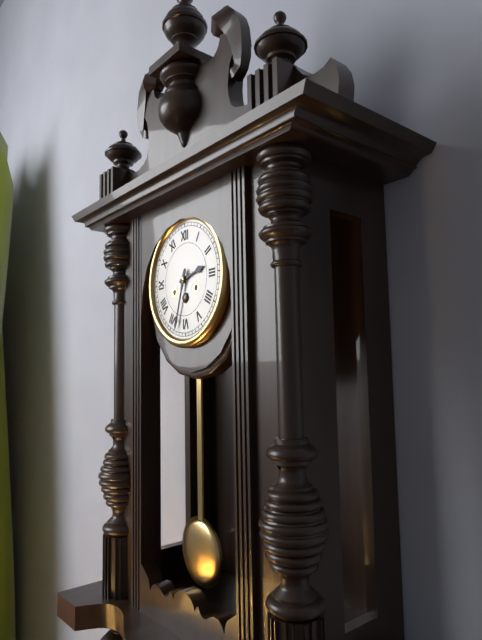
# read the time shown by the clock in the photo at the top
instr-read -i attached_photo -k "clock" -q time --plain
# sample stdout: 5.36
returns 2.33
